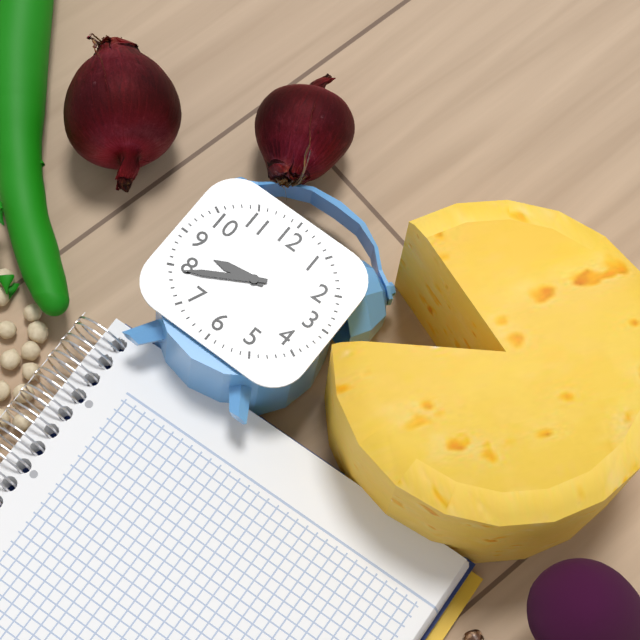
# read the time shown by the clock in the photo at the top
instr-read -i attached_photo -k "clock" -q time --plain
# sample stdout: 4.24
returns 8.40
